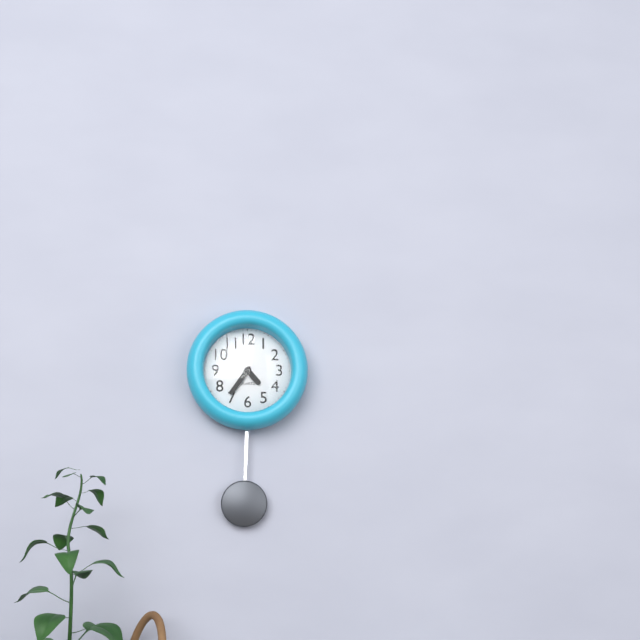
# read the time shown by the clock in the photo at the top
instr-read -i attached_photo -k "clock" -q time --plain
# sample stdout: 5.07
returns 4.36
